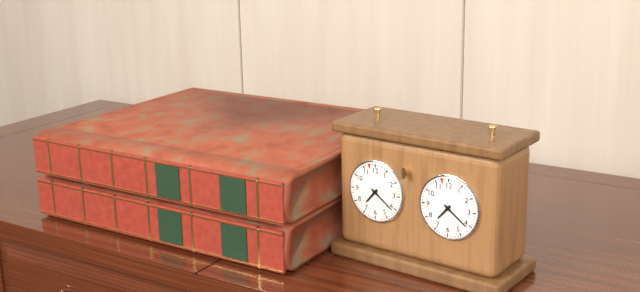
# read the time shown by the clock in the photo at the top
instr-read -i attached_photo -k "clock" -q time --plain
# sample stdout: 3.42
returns 7.21
